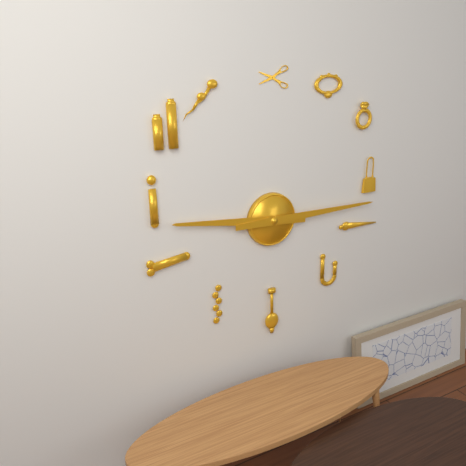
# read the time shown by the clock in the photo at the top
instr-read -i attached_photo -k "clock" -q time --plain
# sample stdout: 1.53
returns 9.15
